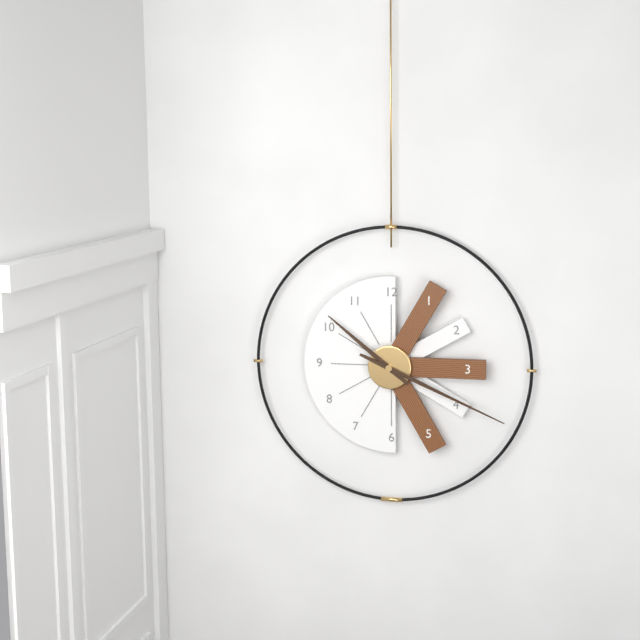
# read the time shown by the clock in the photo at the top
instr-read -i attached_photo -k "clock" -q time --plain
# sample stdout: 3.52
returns 10.19
